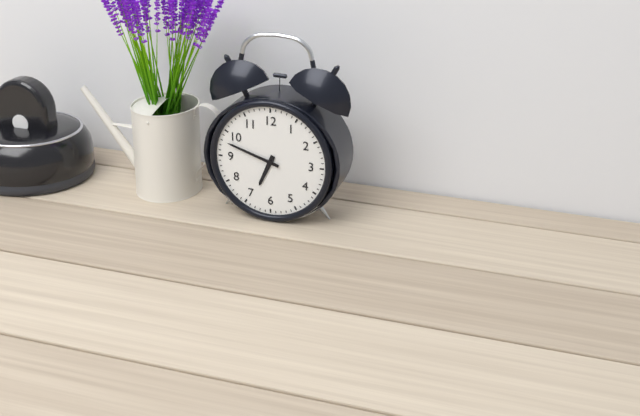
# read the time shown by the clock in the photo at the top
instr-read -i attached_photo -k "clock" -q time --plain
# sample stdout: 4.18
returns 6.48
